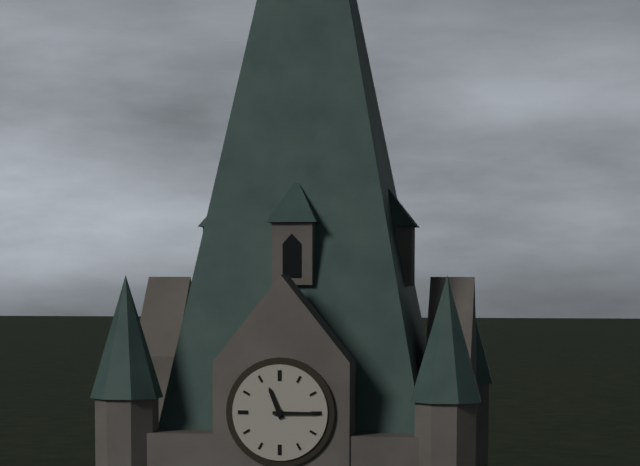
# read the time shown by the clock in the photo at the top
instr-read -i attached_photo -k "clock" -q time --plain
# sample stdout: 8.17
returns 11.15
